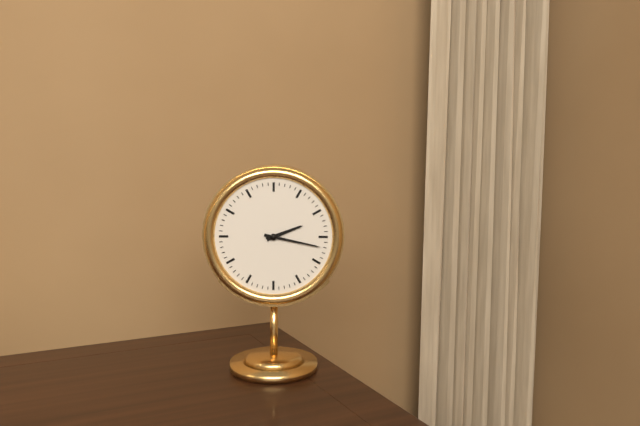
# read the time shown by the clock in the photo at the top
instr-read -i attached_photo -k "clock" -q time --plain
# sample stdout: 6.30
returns 2.17
